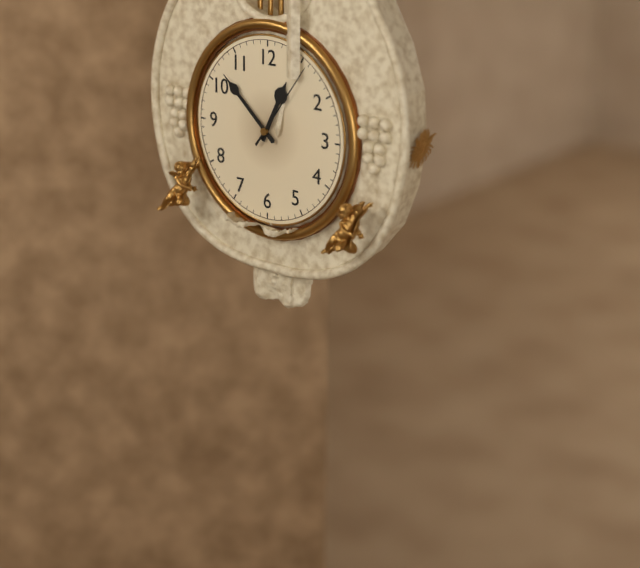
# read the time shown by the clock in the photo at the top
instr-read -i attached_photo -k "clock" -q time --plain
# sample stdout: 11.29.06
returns 12.52.06
